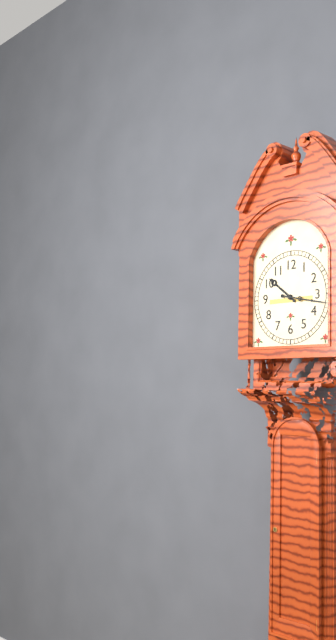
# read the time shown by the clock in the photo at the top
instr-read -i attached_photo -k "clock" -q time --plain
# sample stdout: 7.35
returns 10.17
